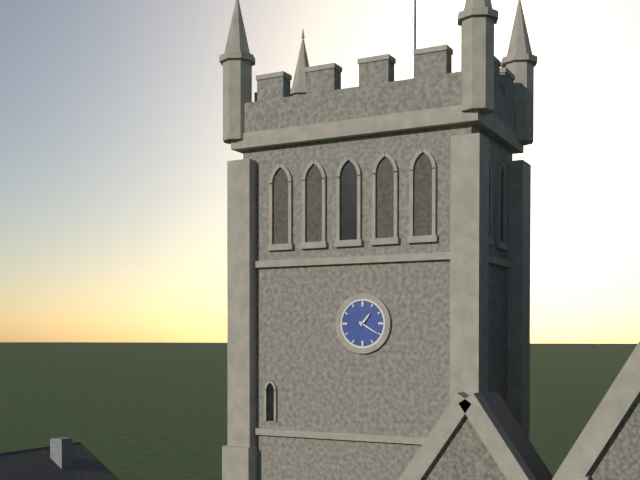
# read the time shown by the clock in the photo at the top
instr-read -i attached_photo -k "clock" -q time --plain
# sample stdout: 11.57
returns 1.20
